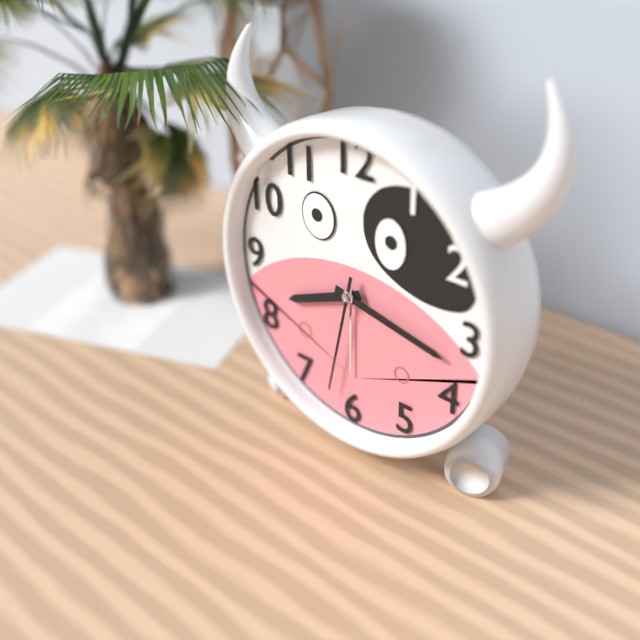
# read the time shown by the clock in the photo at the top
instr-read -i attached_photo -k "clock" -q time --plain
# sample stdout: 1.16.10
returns 8.17.32
